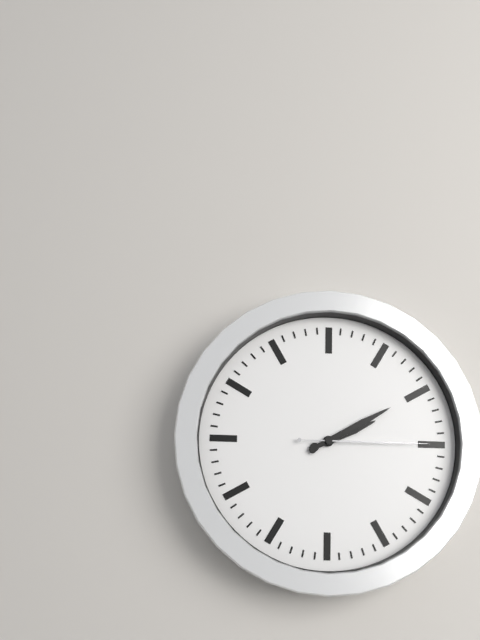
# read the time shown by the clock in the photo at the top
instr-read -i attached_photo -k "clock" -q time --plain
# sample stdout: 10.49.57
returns 2.10.15
